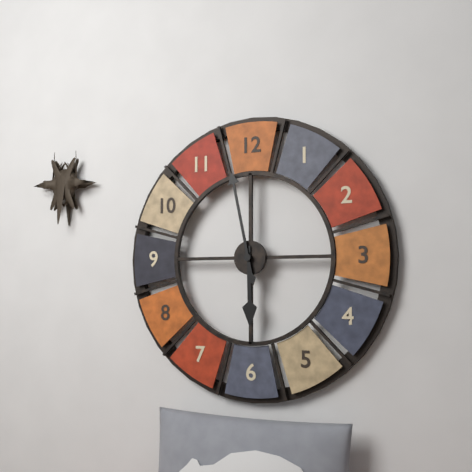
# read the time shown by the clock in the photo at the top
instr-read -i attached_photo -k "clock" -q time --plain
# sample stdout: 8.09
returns 5.58
